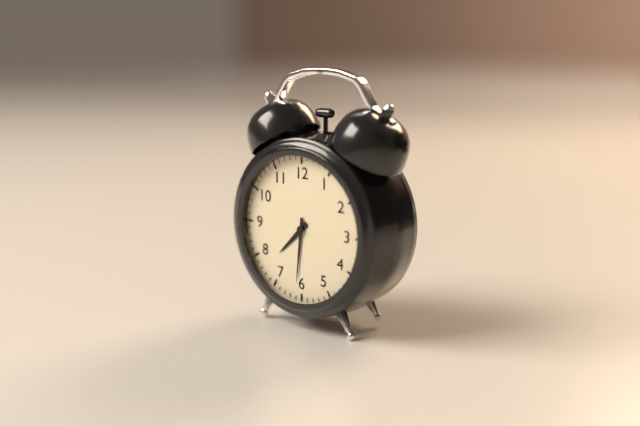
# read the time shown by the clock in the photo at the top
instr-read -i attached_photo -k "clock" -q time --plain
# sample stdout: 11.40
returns 7.31
